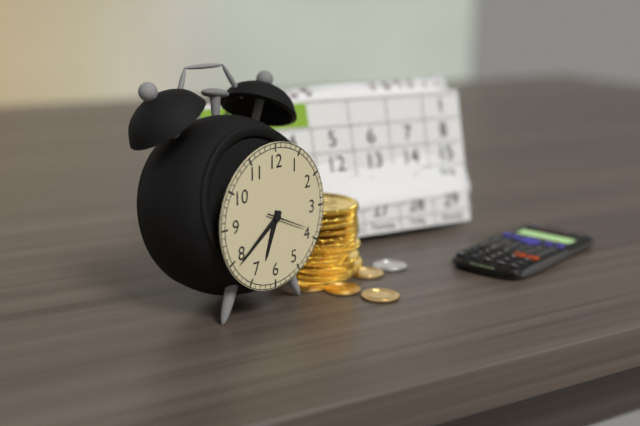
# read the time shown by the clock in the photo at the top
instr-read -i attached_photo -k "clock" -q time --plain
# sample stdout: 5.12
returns 6.39
